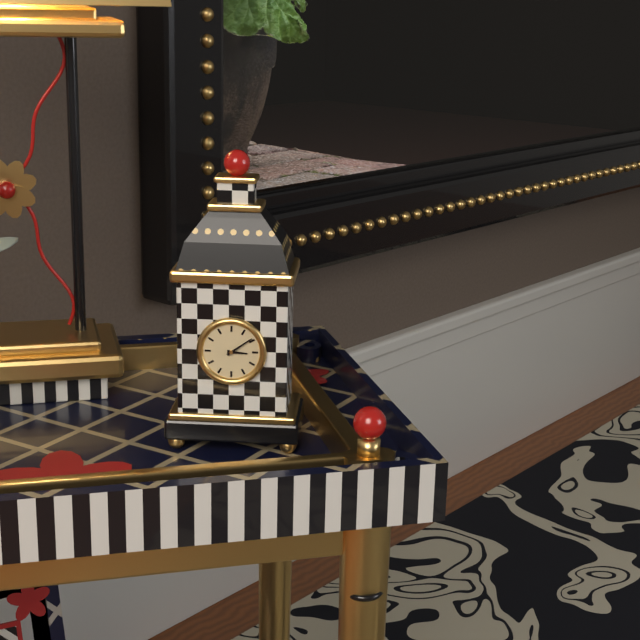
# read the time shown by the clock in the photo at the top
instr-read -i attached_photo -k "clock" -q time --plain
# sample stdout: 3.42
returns 3.09
